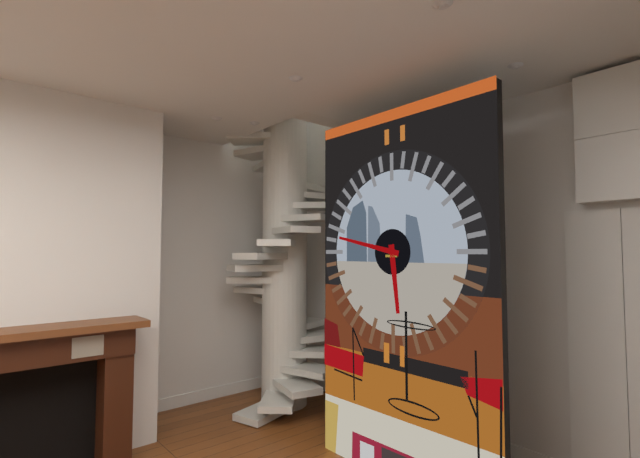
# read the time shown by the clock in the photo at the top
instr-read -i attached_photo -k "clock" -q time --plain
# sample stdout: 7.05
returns 5.47
